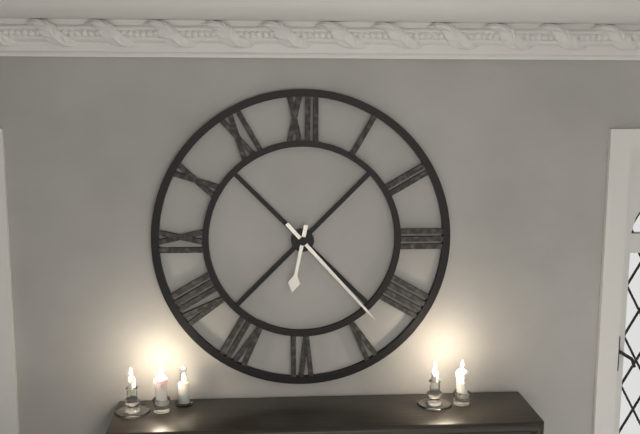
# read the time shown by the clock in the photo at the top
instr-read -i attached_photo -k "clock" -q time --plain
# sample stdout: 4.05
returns 6.23
